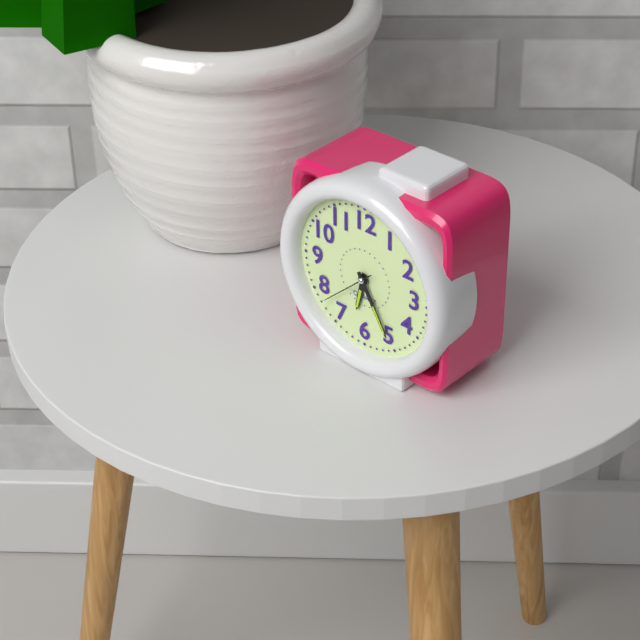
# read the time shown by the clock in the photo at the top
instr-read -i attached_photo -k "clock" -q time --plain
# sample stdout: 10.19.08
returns 6.25.38
